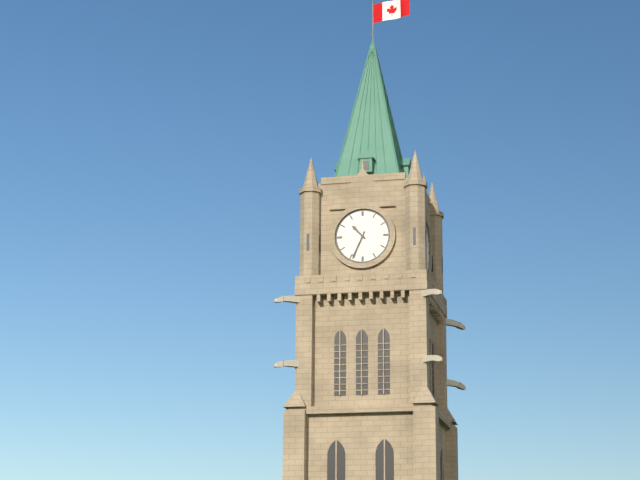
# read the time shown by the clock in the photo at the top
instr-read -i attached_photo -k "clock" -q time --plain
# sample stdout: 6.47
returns 10.34
